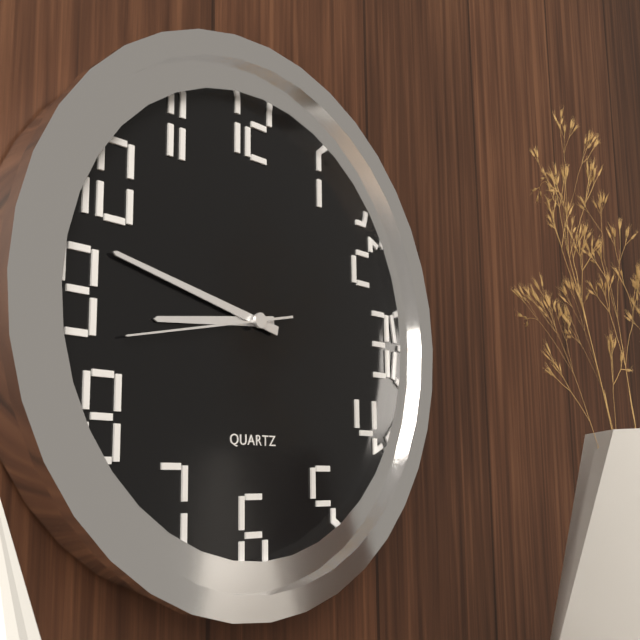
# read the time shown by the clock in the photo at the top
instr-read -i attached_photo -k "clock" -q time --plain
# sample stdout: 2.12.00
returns 8.47.43
